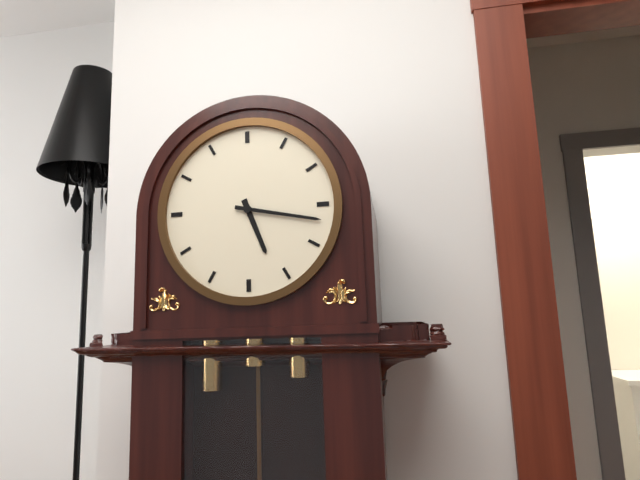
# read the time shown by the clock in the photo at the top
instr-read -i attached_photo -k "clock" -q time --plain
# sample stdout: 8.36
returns 5.17
